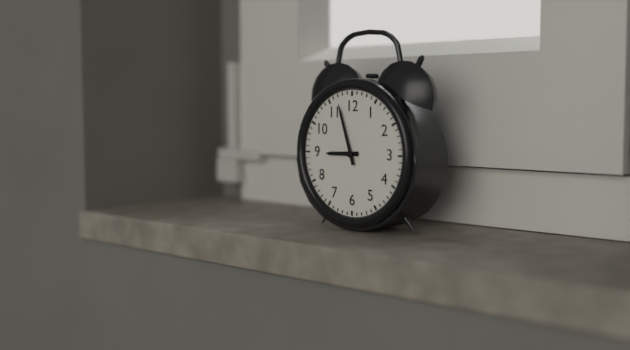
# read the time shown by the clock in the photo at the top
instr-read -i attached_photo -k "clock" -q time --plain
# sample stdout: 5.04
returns 8.57
